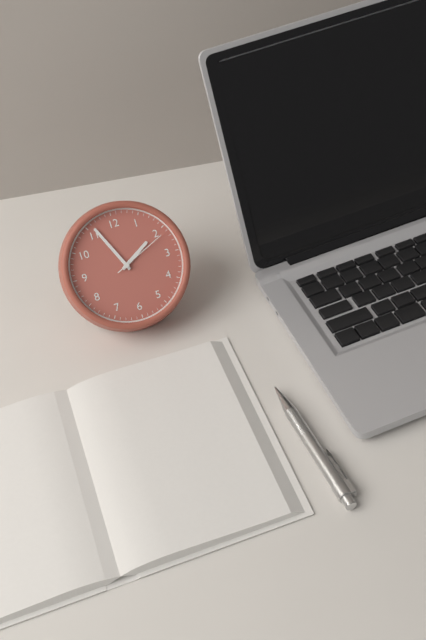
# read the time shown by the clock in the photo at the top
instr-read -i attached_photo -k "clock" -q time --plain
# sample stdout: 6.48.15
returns 1.56.11
